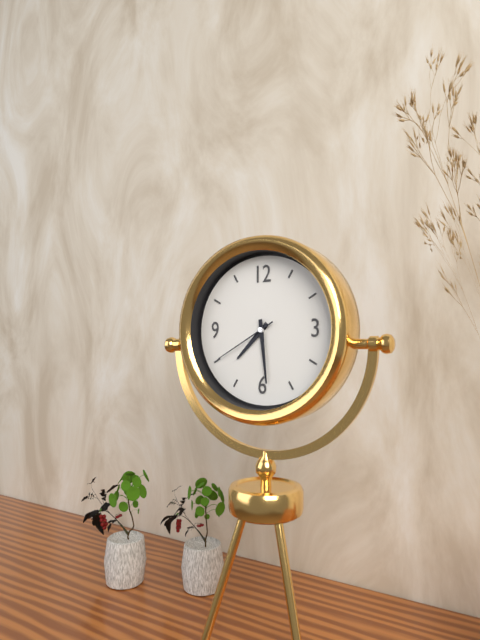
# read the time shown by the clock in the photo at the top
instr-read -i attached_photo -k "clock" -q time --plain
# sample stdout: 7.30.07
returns 7.29.40
